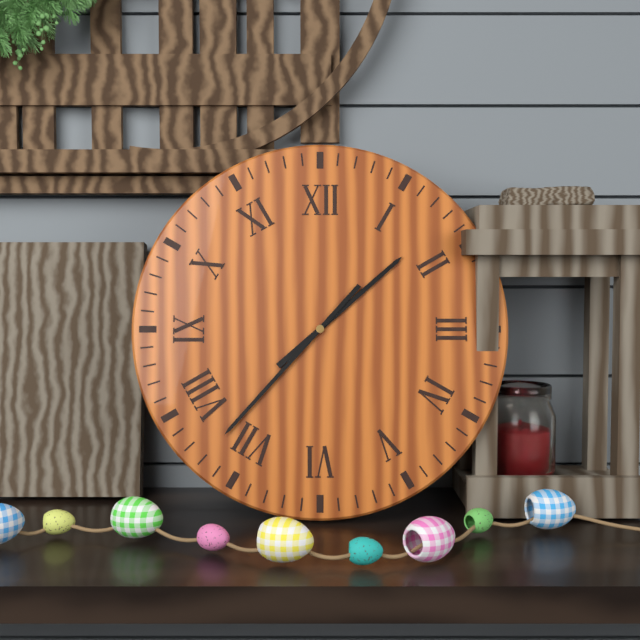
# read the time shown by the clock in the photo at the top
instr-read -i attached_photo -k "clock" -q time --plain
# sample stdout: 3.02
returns 1.37
